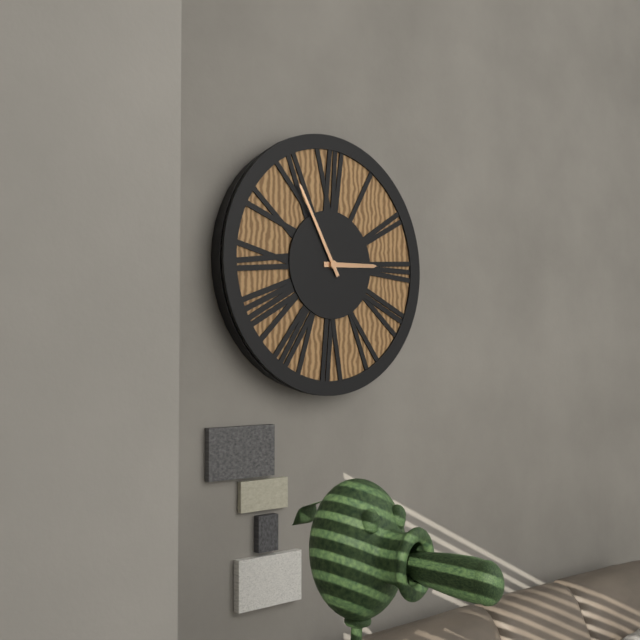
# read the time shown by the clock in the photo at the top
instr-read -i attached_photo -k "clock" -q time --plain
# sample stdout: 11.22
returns 2.55
